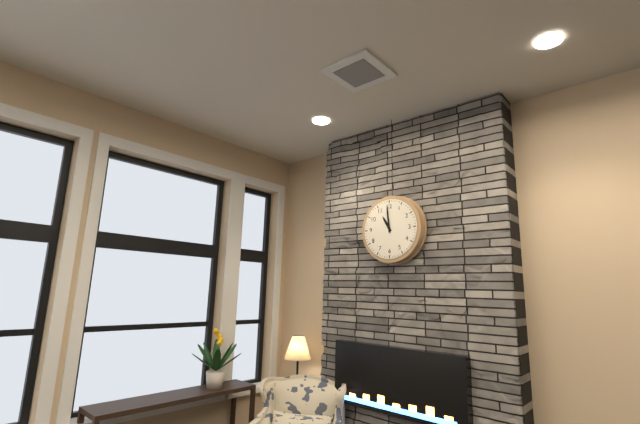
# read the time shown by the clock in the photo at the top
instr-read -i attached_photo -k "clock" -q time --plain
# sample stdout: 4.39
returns 10.59
